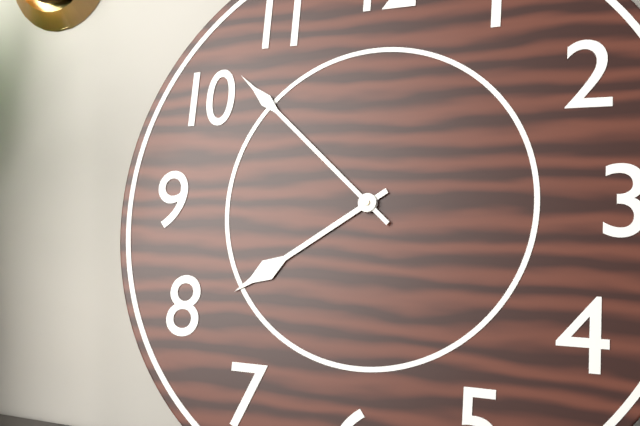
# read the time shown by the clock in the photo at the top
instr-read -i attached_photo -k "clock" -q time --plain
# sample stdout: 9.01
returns 7.52
